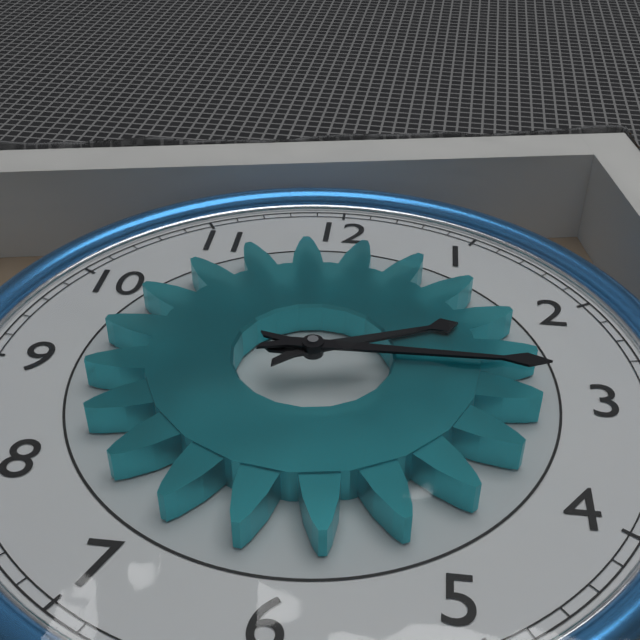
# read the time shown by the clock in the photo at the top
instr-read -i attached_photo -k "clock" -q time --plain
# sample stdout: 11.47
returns 2.15
